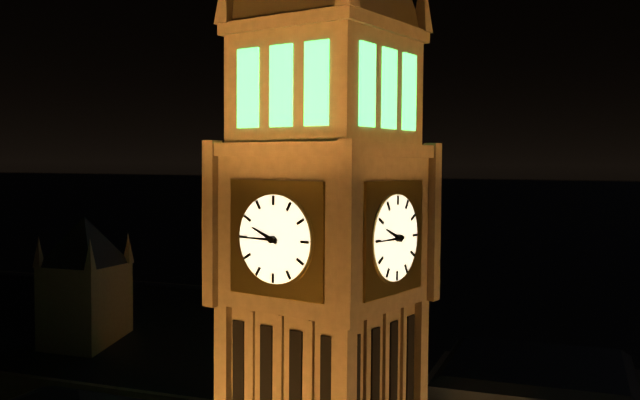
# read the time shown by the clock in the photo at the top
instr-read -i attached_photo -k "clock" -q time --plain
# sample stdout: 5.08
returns 9.45
